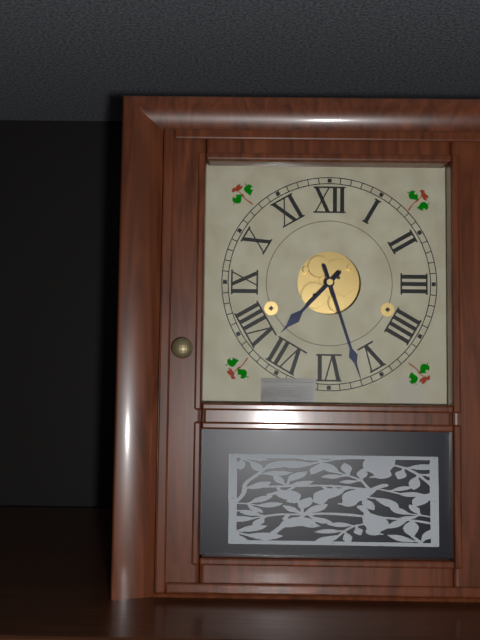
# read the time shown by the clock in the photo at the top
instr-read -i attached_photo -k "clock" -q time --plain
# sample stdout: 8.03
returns 7.27
